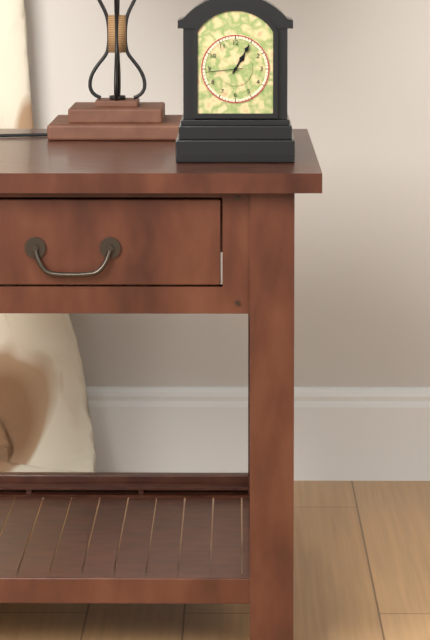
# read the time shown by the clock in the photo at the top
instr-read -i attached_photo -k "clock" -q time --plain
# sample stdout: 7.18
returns 1.05
